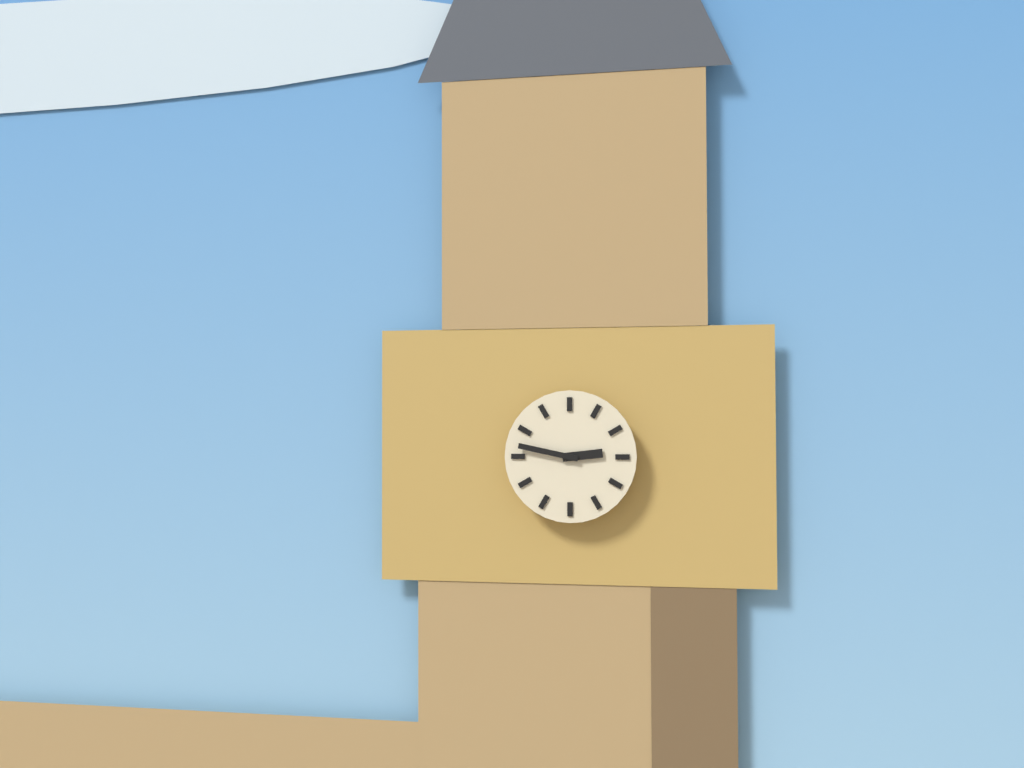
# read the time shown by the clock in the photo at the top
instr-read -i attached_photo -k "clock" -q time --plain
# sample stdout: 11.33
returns 2.47
